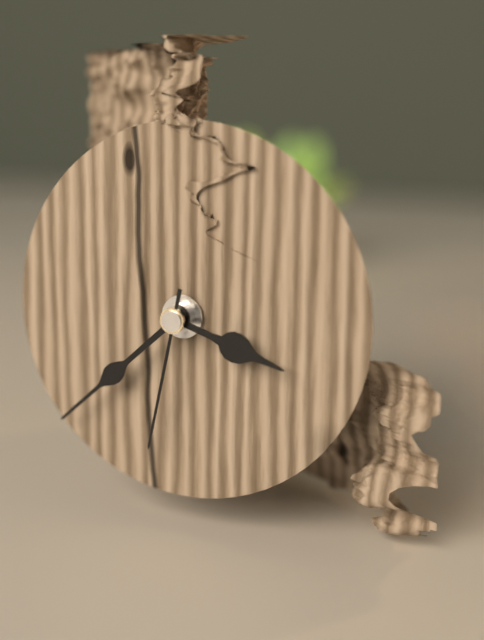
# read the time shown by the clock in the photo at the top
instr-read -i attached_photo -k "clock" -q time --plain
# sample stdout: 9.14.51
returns 3.38.32
